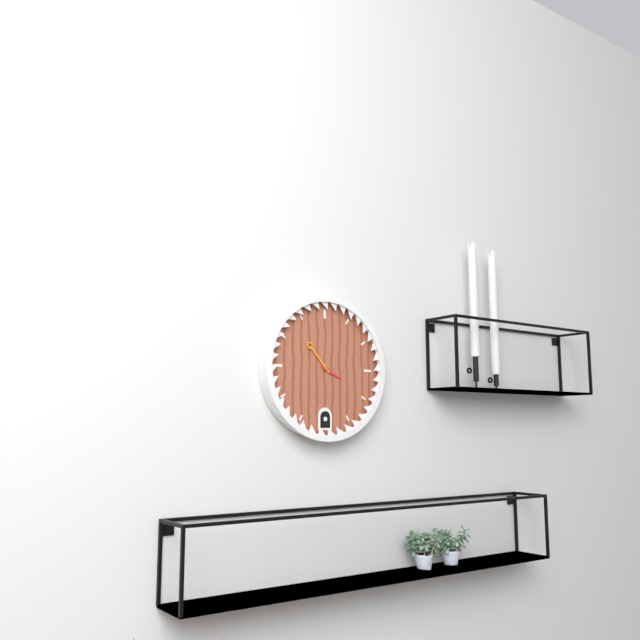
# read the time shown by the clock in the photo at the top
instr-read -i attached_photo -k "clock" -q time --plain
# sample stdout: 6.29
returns 3.53
